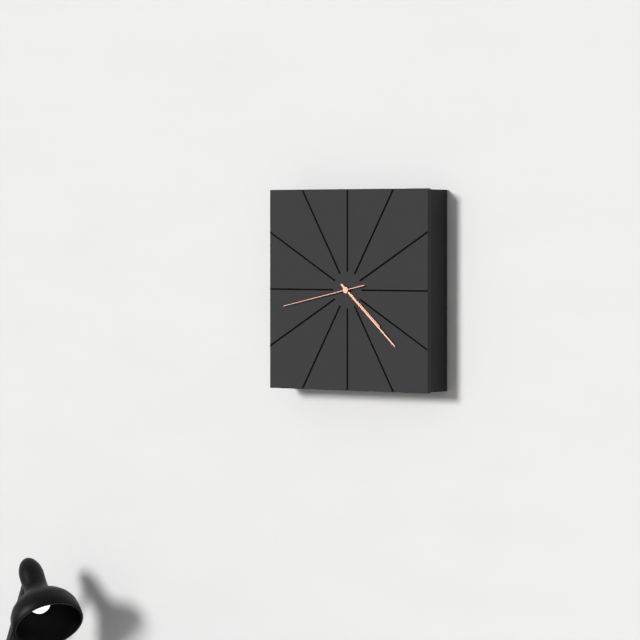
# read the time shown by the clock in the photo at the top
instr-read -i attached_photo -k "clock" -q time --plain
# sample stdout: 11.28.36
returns 4.22.43
